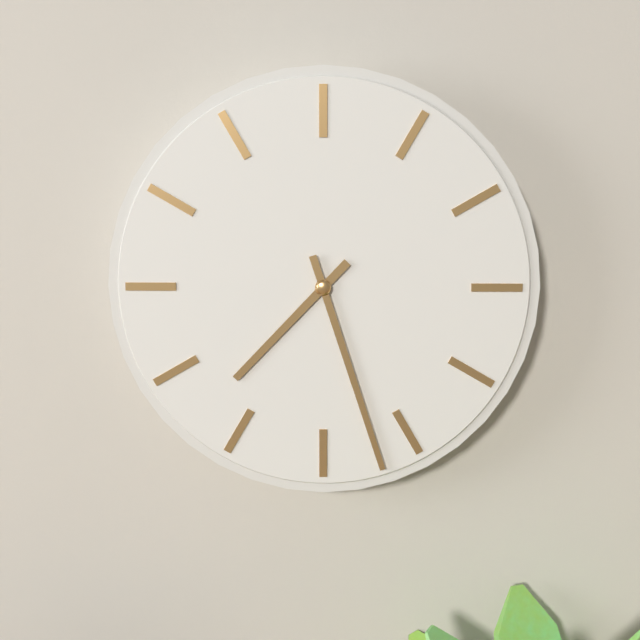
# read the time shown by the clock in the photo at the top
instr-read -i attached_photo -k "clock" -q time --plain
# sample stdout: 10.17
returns 7.27
